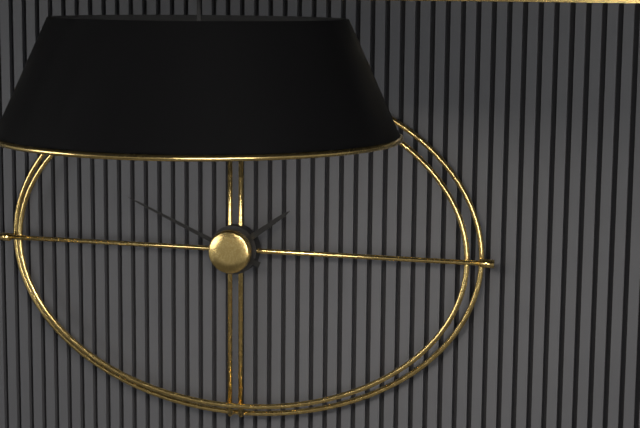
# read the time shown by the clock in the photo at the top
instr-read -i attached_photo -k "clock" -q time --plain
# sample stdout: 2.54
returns 1.49
